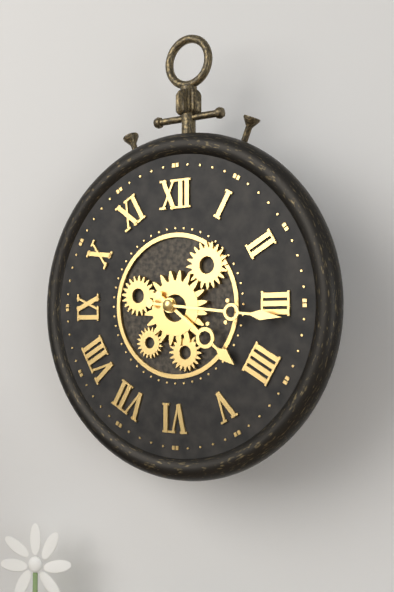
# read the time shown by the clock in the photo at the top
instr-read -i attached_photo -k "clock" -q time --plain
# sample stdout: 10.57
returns 4.16
